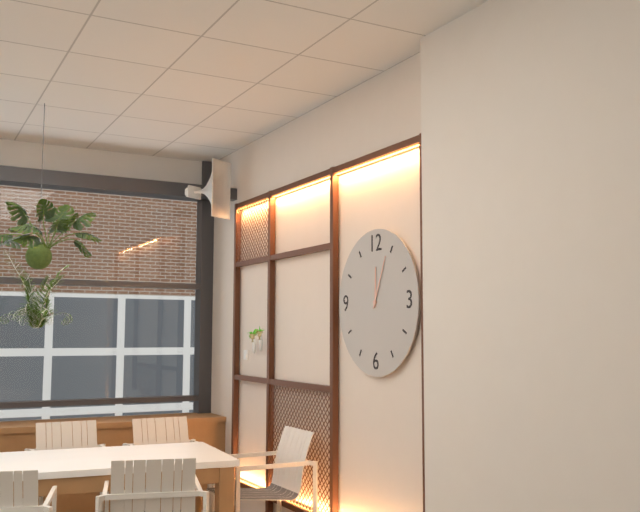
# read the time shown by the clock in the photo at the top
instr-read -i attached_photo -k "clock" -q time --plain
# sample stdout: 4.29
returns 12.04
